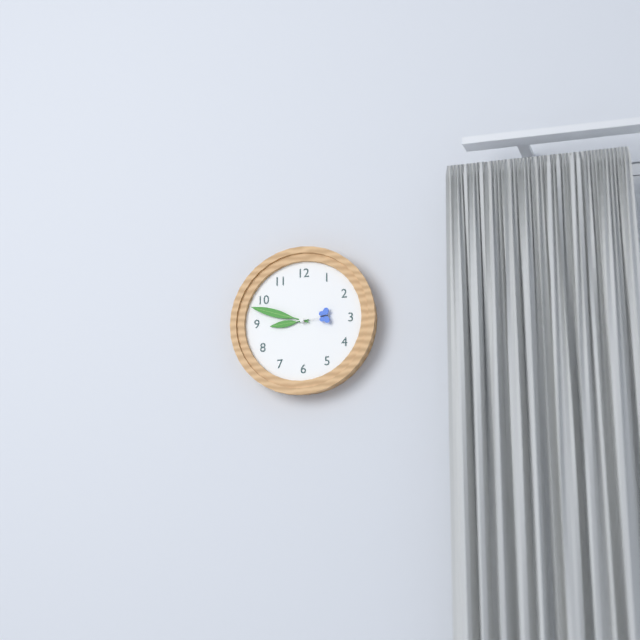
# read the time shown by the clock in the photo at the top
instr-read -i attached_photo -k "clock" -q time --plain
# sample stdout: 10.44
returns 8.48
